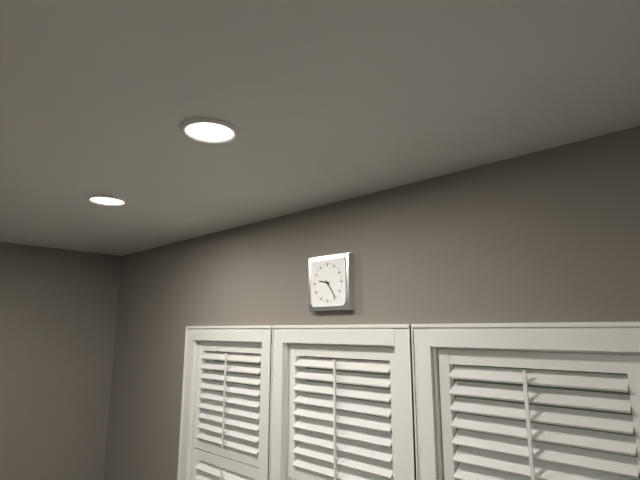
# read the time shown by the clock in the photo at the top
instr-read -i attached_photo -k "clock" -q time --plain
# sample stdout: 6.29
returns 9.24
